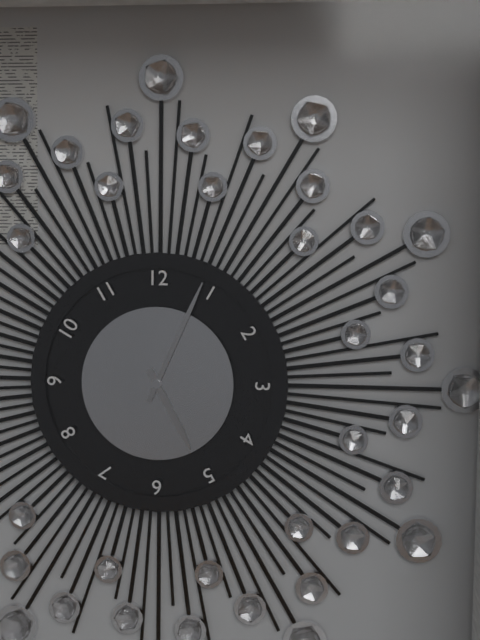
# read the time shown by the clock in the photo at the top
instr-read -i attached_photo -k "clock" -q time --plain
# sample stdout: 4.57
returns 5.04
